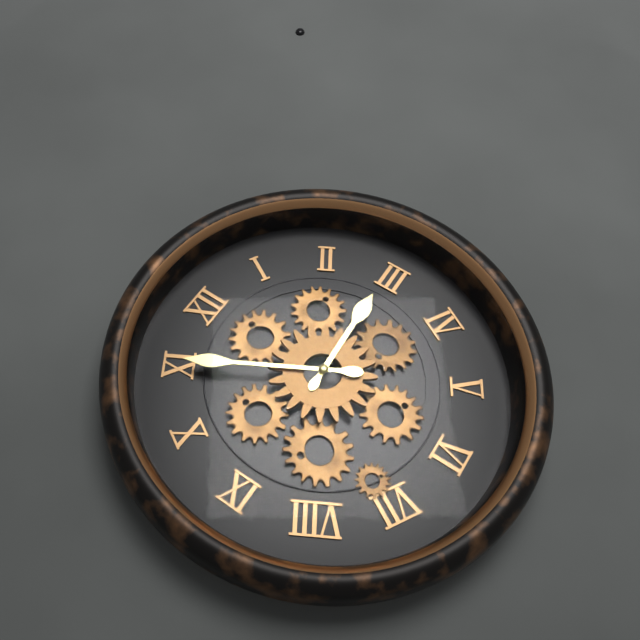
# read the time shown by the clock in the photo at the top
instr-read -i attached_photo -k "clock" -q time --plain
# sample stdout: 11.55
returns 2.55
